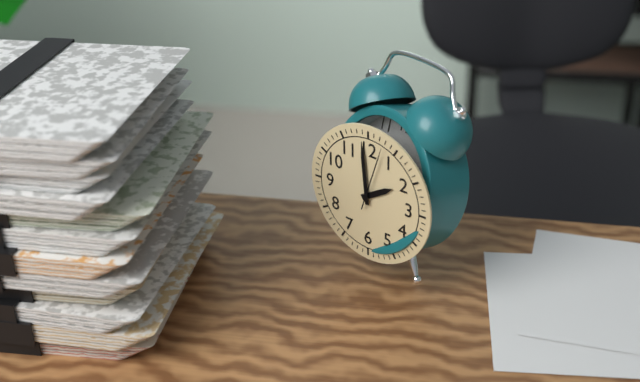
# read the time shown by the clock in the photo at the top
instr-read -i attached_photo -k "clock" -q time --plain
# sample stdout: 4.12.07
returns 1.59.03
